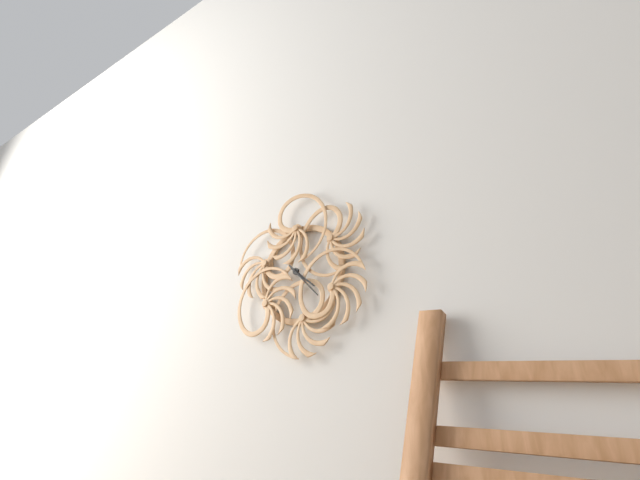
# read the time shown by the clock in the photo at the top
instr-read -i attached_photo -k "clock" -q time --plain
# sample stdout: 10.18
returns 4.23
